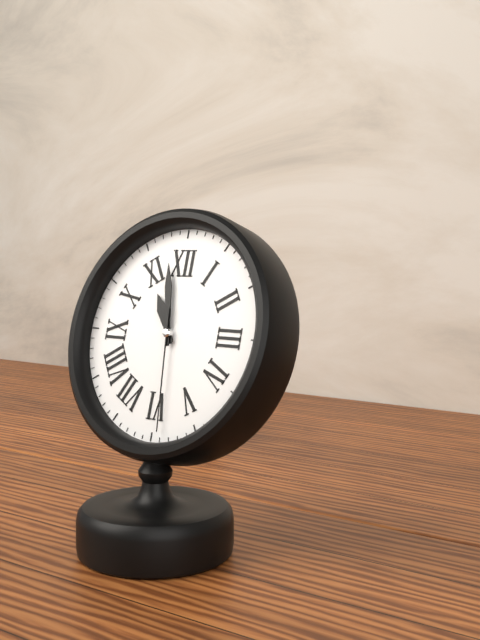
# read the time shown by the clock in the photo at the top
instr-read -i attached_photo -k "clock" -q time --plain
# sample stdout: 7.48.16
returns 10.58.29
